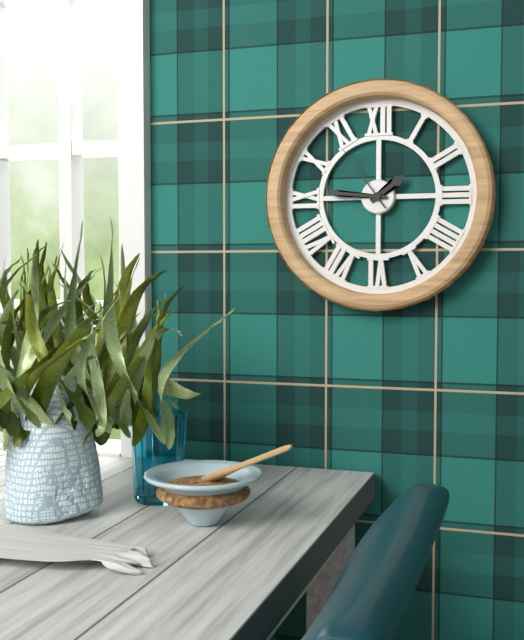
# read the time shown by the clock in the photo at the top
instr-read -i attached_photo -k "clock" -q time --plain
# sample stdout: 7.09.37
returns 1.46.54
